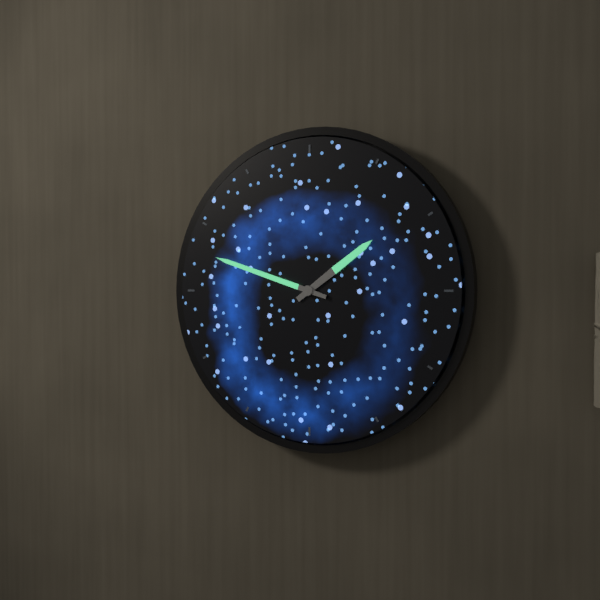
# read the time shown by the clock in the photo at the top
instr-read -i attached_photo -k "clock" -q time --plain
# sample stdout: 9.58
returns 1.48
